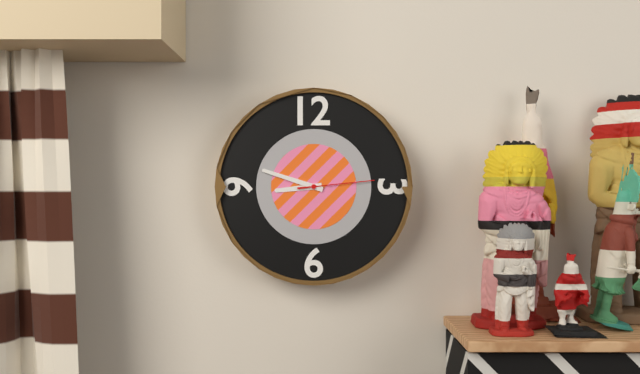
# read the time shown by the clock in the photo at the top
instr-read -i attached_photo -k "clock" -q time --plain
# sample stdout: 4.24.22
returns 8.48.14
